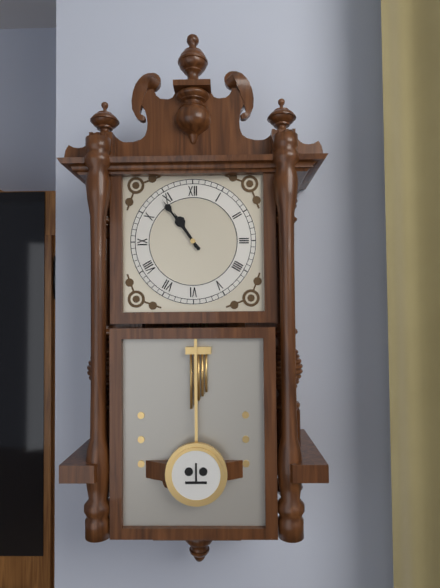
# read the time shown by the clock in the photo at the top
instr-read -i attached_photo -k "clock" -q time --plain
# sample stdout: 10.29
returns 10.54
